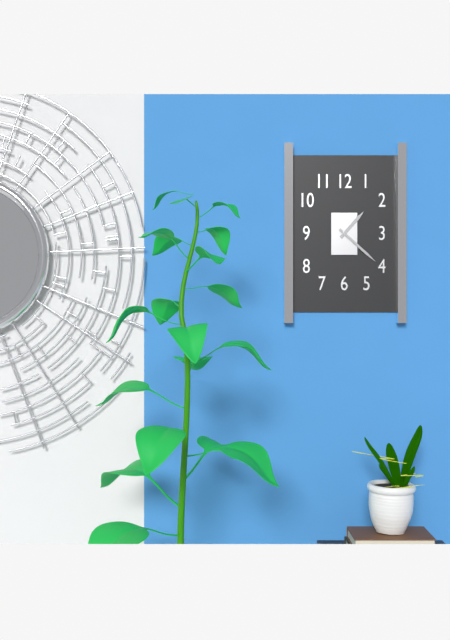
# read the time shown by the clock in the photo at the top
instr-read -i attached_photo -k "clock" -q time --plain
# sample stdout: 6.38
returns 1.22
